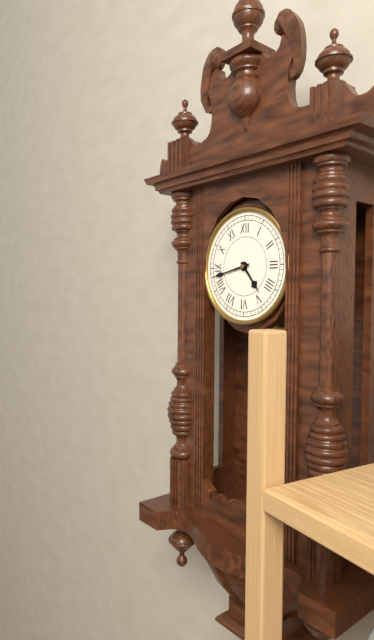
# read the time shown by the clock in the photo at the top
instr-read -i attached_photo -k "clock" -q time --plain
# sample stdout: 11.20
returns 4.43
